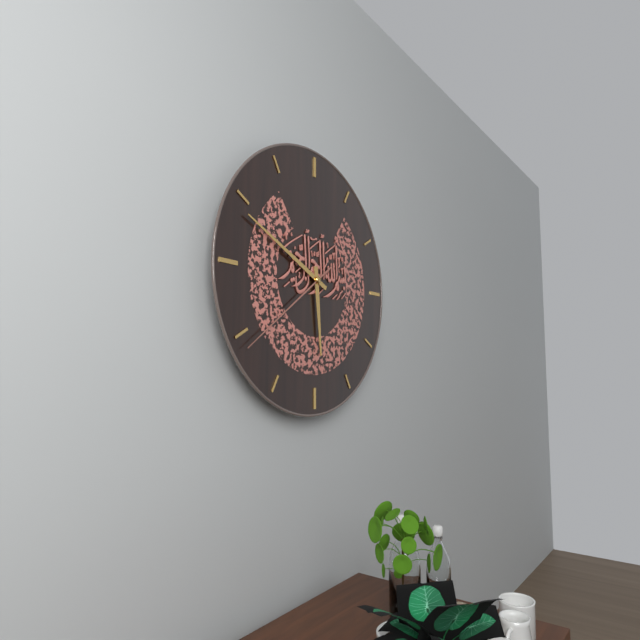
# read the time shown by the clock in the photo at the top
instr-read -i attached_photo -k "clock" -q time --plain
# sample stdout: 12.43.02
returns 5.49.39
